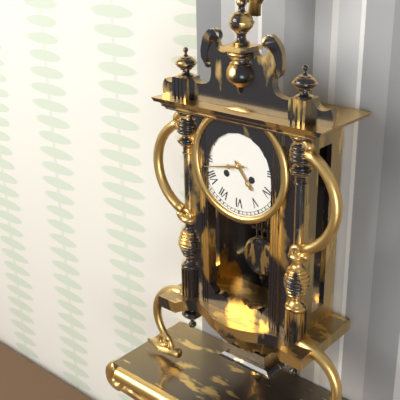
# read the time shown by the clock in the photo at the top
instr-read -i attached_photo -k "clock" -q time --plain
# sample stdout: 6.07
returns 4.43
